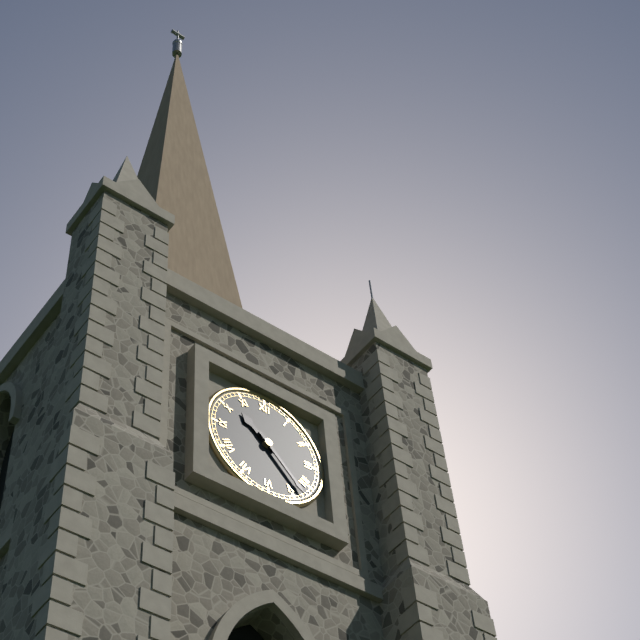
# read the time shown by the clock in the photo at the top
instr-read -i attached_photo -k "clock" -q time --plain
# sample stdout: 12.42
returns 10.23
